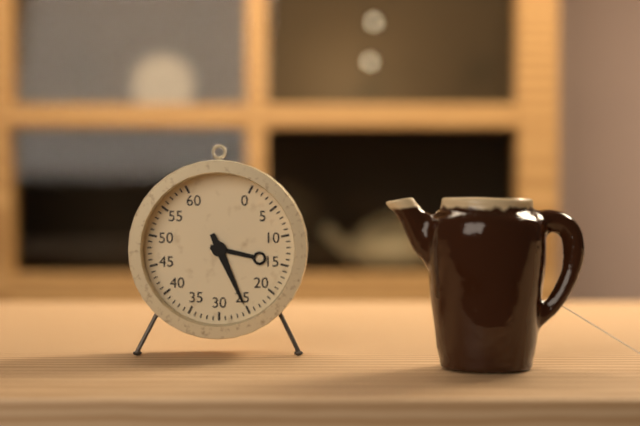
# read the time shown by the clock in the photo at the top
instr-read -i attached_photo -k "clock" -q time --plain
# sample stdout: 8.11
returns 3.26
